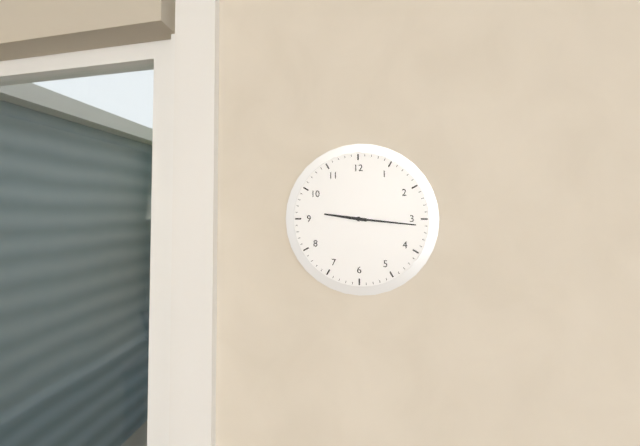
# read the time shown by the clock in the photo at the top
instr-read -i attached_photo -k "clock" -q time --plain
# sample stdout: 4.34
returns 9.16
